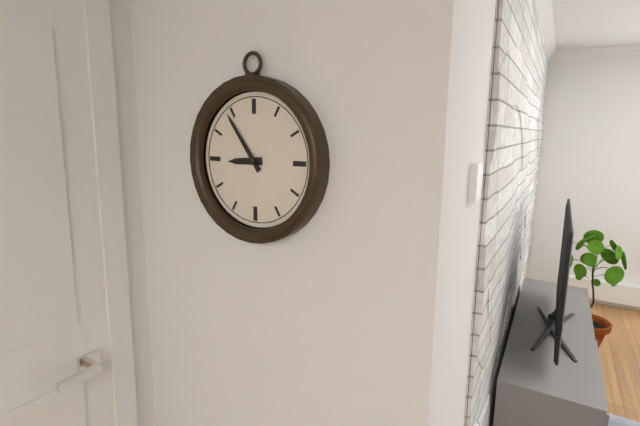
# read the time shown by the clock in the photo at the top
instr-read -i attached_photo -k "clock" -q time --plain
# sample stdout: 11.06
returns 8.54
